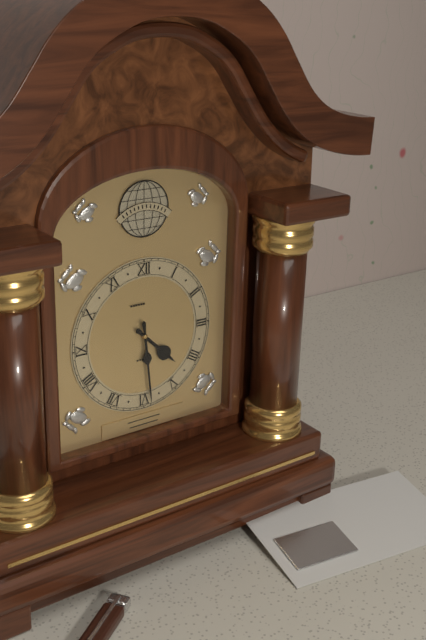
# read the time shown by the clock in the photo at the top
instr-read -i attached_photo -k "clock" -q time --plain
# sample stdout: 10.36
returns 4.29
